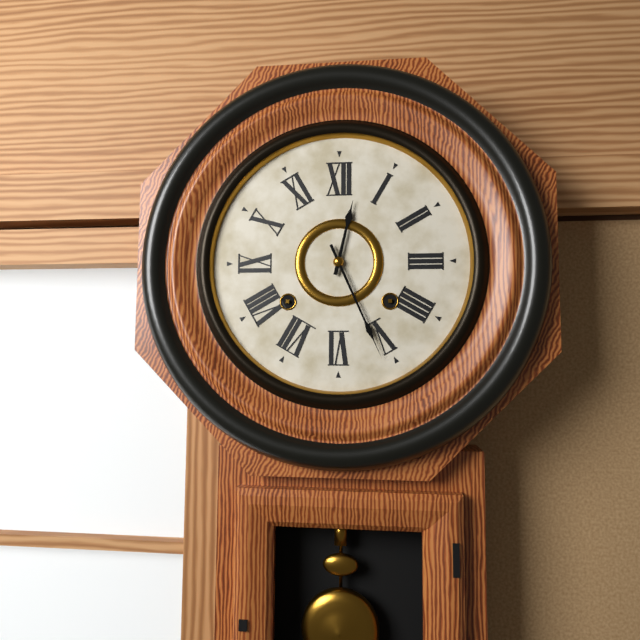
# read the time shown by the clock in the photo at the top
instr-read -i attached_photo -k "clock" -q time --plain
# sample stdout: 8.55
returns 12.26
